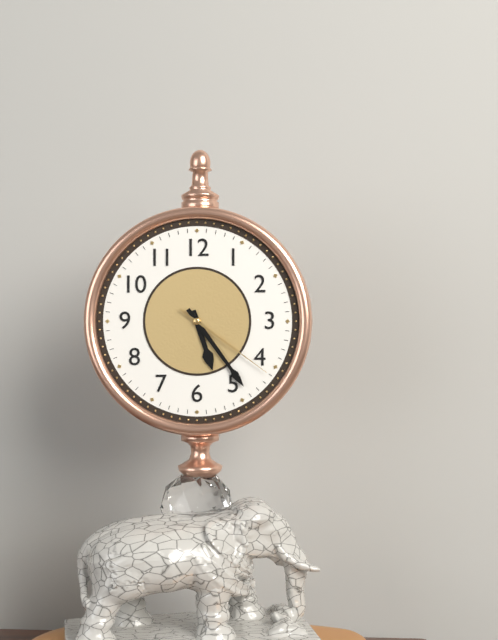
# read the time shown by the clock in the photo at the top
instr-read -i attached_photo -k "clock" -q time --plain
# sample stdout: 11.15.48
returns 5.24.21
